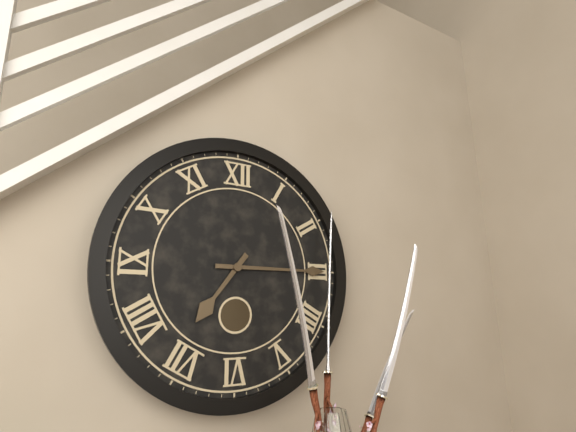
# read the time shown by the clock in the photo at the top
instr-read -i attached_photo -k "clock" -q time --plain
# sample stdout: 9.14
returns 7.15
